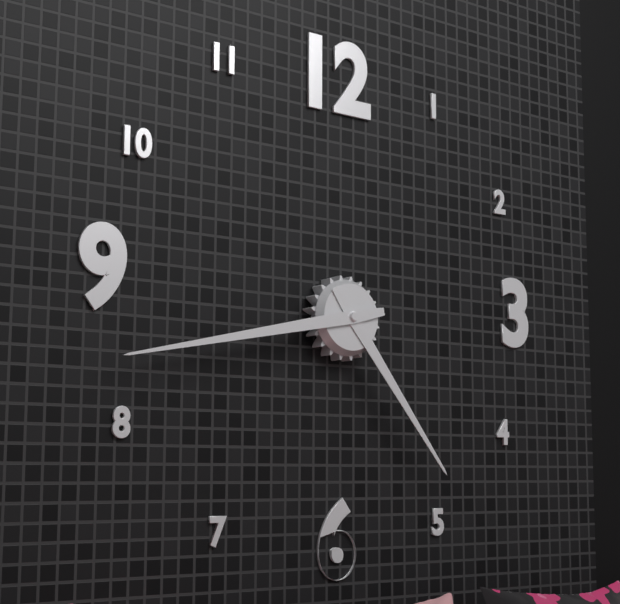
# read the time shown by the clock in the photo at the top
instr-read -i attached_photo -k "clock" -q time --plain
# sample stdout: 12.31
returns 4.43
